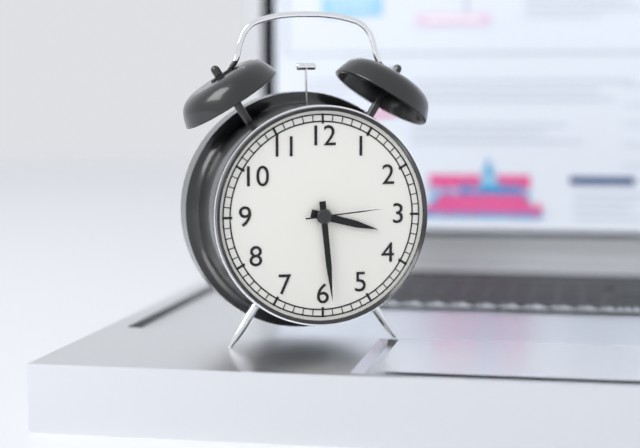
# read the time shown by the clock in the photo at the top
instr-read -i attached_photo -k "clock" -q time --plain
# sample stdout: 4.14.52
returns 3.29.14
